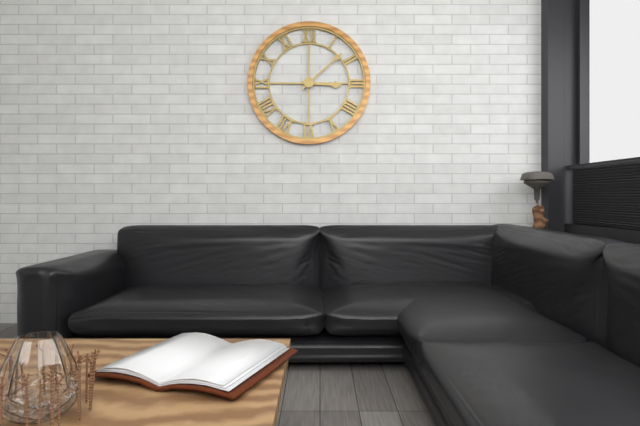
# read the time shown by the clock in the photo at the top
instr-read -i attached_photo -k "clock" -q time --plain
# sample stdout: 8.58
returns 3.08
